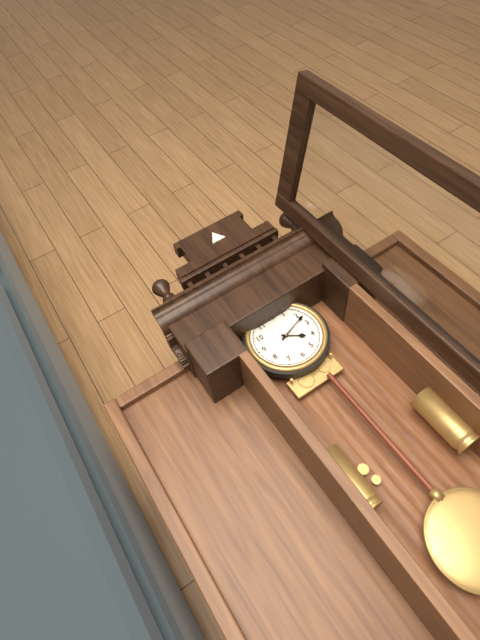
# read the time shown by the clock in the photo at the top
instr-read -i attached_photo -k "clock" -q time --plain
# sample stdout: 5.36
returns 4.12
